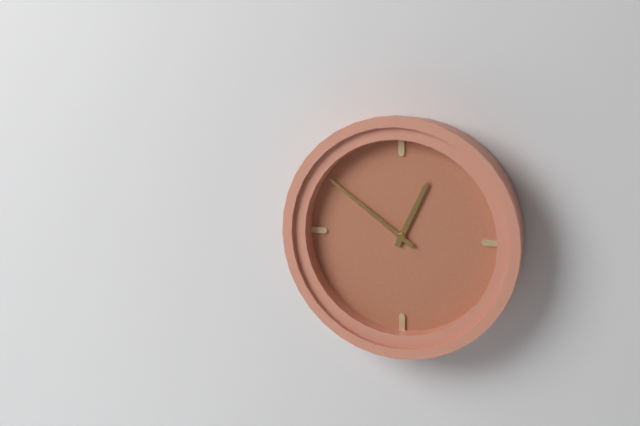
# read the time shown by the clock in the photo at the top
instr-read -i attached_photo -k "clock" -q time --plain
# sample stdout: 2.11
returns 12.51
